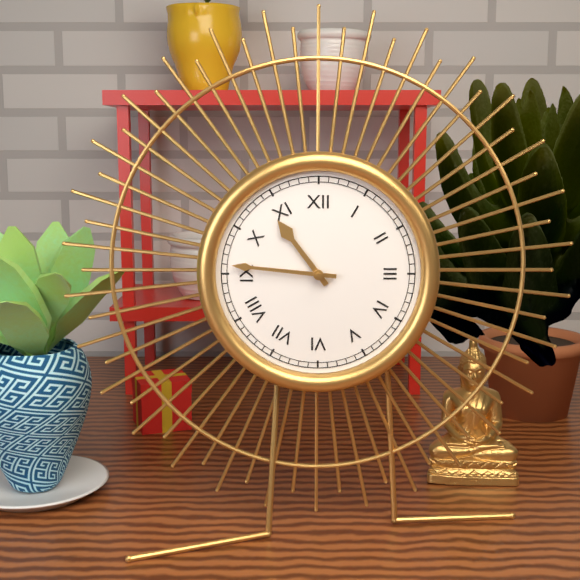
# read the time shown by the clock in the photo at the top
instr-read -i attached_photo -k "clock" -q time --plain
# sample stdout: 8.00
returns 10.46
